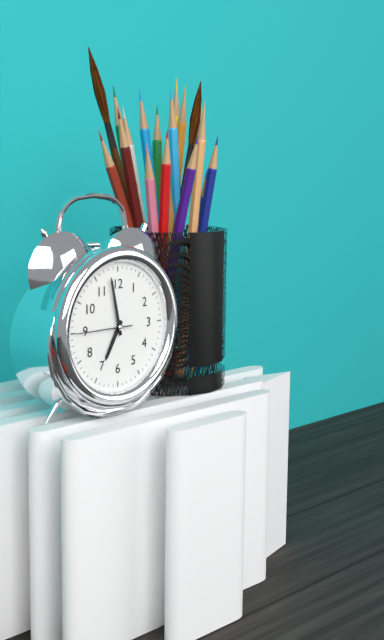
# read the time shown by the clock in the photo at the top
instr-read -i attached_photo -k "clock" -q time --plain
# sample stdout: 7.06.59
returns 6.58.45
